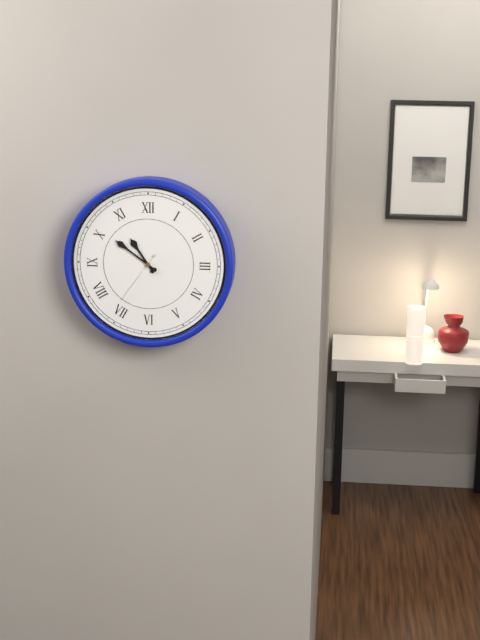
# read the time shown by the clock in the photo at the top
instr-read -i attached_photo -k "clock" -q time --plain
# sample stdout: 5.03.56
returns 10.51.36
